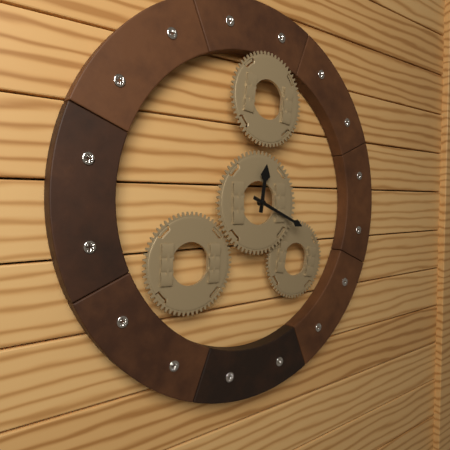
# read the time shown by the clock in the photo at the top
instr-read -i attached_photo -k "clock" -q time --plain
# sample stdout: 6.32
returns 12.19
